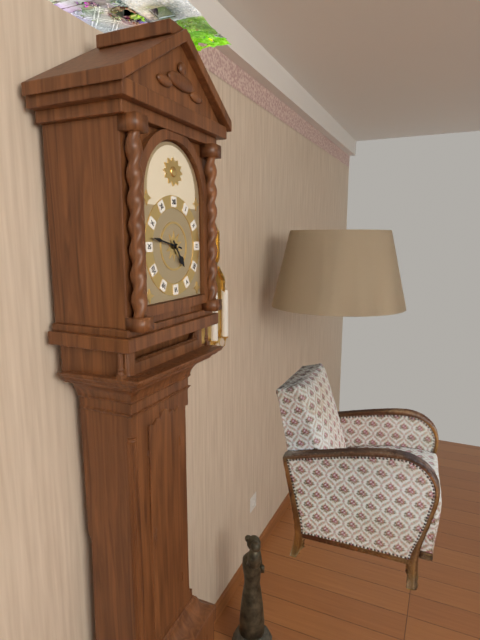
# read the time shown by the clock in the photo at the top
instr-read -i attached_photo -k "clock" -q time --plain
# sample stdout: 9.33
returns 4.47
